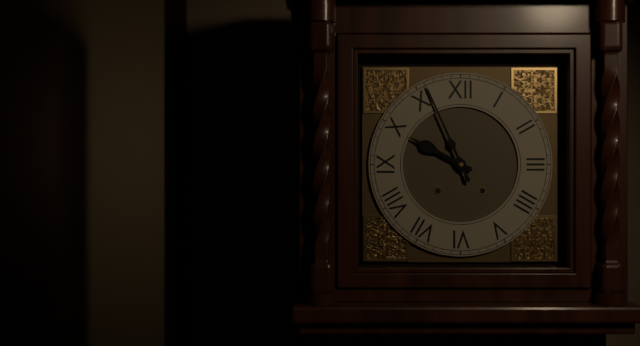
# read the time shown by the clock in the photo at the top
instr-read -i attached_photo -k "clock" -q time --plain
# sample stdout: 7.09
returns 9.56
